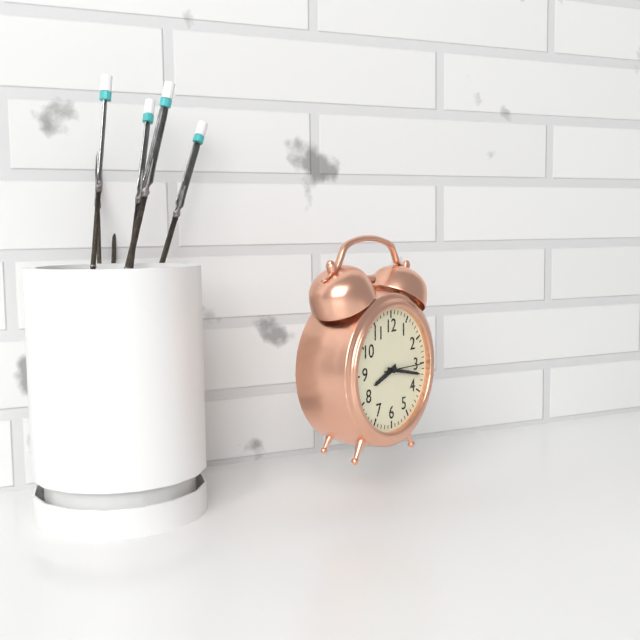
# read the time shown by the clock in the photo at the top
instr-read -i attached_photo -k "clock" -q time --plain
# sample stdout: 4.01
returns 8.17
